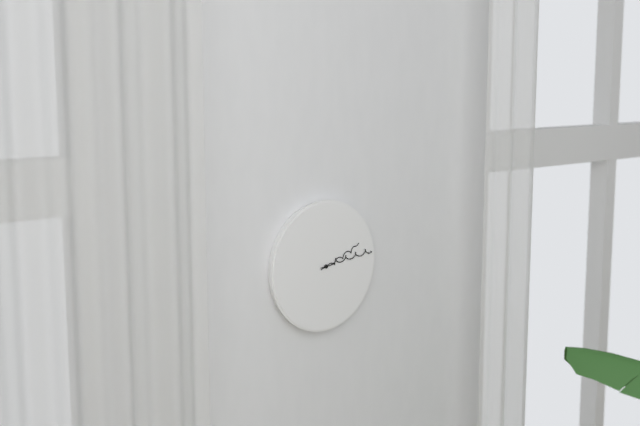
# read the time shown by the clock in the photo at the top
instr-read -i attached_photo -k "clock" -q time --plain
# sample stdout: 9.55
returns 2.14
